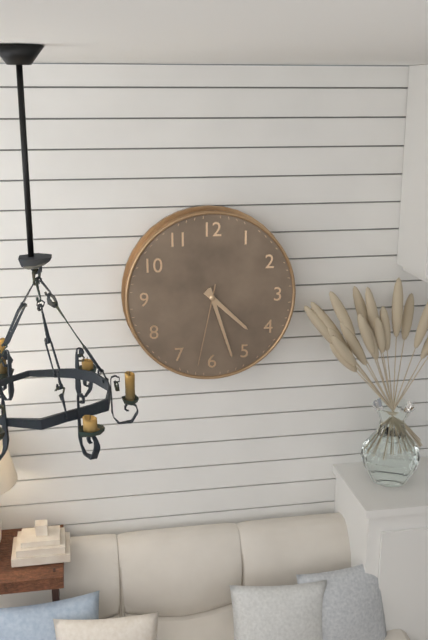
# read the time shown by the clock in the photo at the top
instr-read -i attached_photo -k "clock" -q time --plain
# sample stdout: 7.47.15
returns 4.27.32
